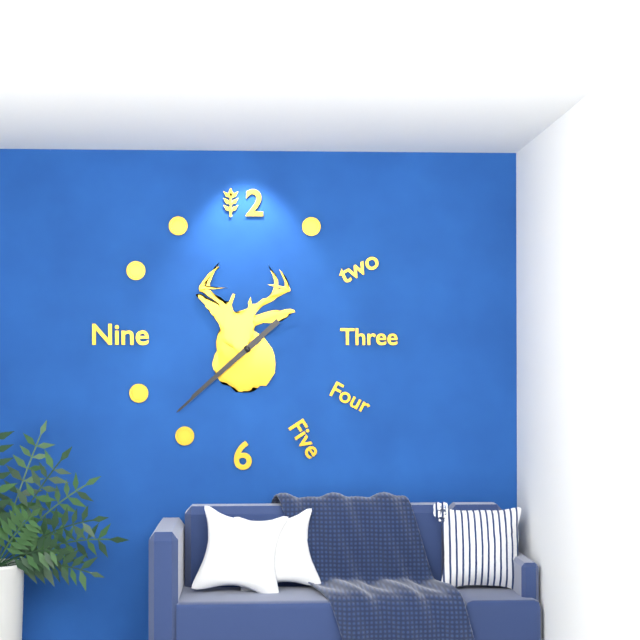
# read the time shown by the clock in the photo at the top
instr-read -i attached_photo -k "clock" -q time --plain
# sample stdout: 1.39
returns 7.38
